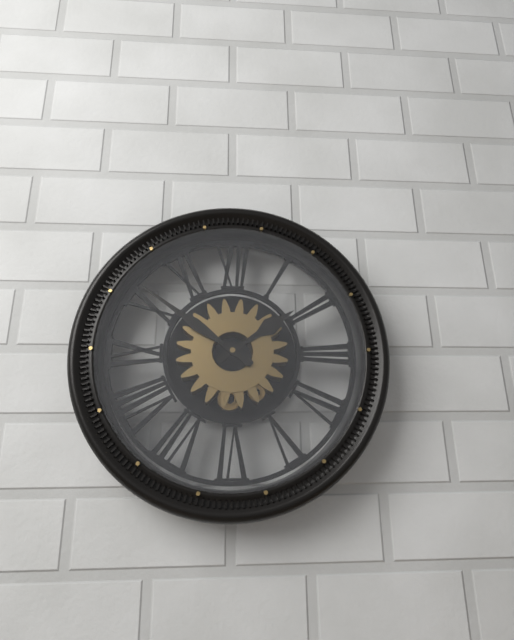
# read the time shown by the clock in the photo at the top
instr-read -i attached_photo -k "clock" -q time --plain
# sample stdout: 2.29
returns 1.51
